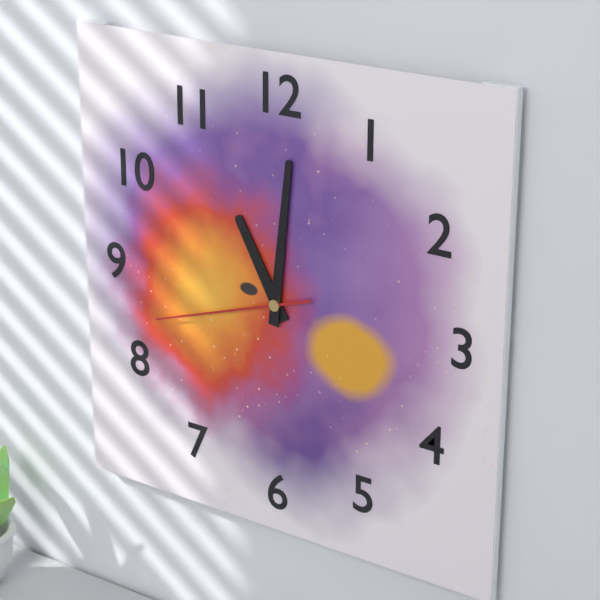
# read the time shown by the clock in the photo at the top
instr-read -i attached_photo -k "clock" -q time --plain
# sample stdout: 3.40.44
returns 11.01.42
